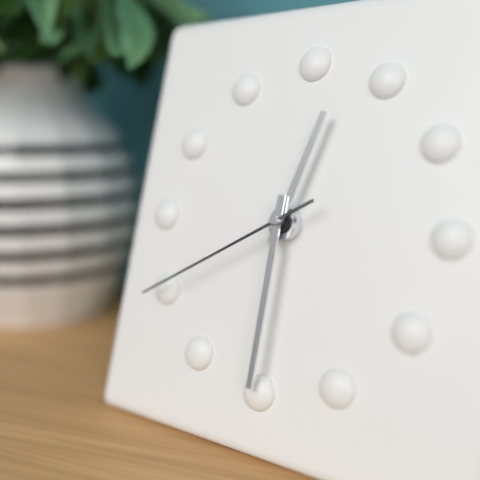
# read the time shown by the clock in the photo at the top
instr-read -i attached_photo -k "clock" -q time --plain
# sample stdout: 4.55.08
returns 12.30.40
